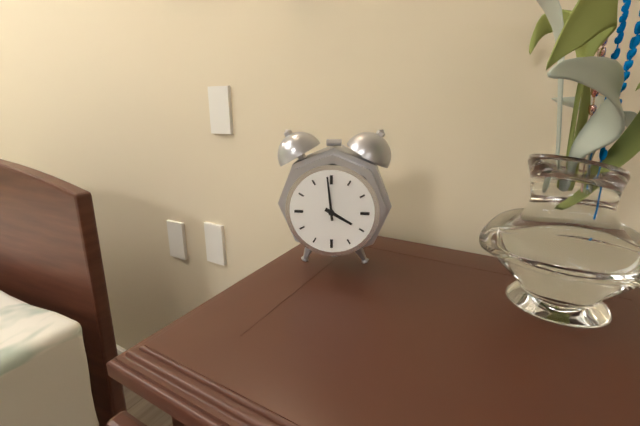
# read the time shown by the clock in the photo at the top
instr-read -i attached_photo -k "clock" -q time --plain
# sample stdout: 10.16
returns 3.59
